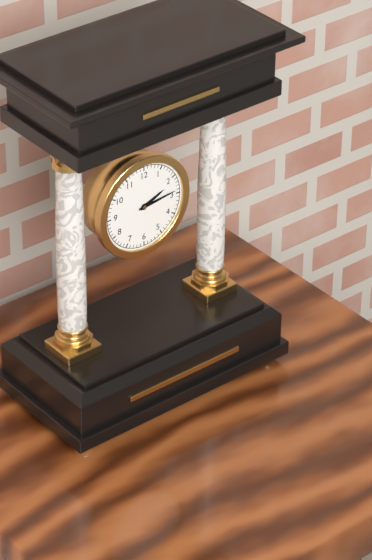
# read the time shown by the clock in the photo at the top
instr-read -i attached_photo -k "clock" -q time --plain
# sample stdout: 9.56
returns 2.14
